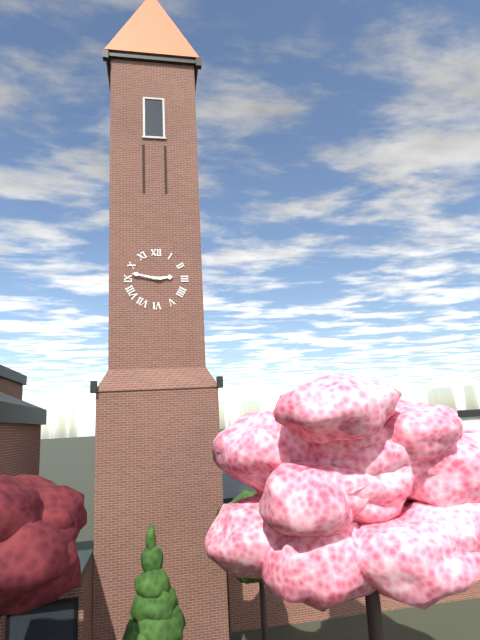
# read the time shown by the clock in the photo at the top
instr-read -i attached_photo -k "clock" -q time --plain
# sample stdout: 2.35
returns 2.47
